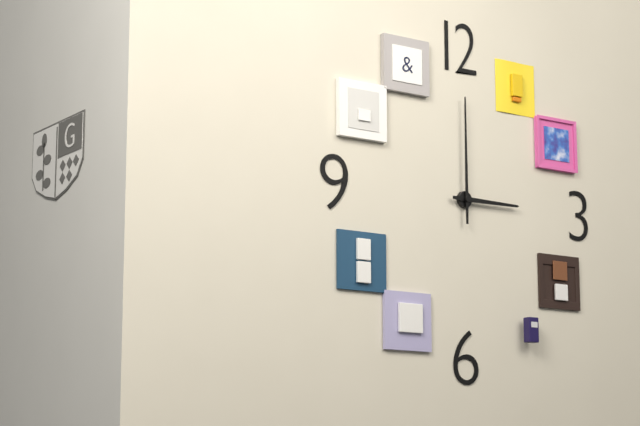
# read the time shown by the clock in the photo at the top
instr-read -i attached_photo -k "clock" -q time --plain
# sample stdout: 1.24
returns 3.00
